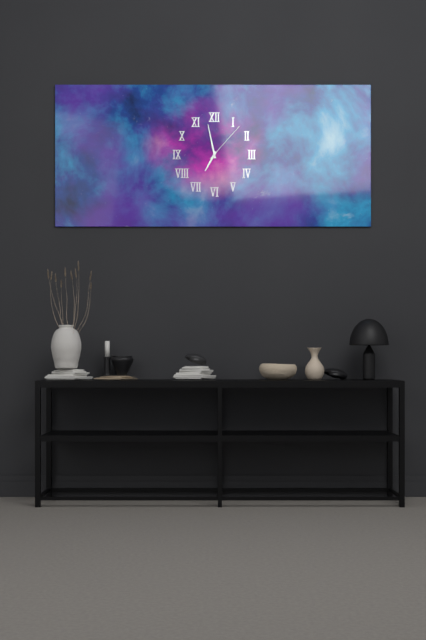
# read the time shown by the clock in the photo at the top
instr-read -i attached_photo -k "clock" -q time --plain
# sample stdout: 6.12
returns 6.58
